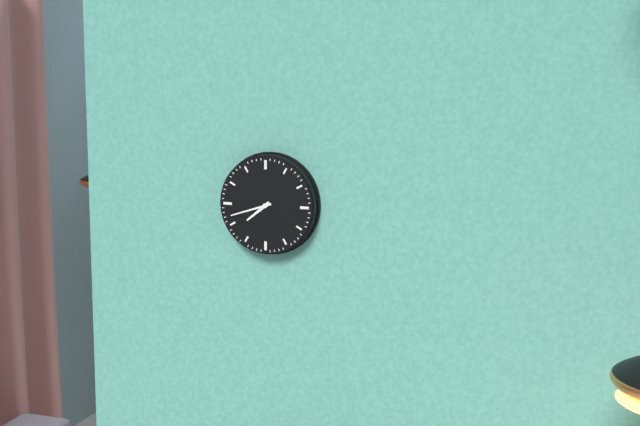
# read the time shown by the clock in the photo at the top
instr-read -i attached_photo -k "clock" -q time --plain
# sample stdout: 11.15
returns 7.42
